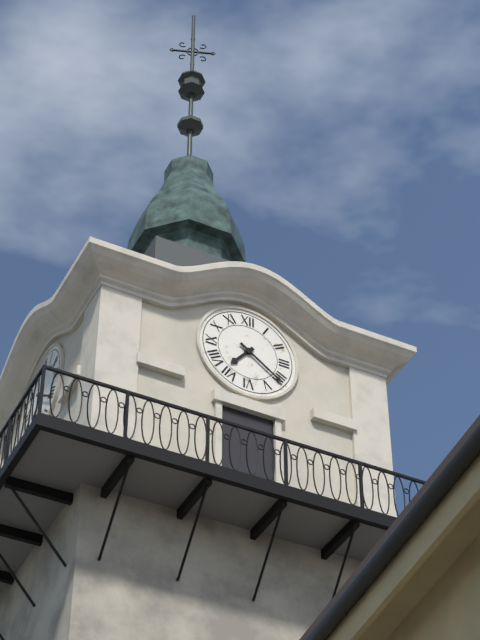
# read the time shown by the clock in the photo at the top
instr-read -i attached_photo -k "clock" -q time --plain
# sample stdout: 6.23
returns 7.21
